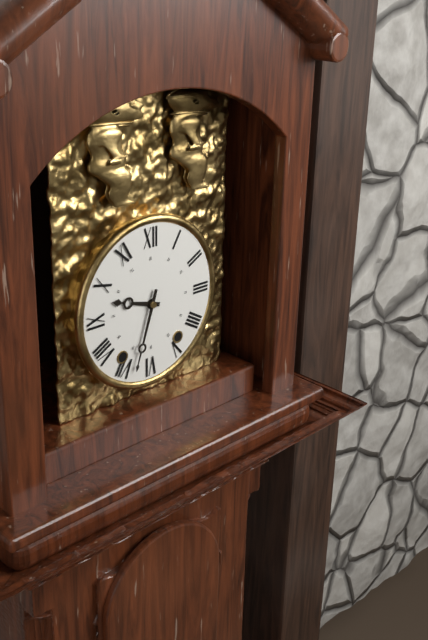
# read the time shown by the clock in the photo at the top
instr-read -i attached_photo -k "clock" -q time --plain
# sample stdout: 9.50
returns 9.33
